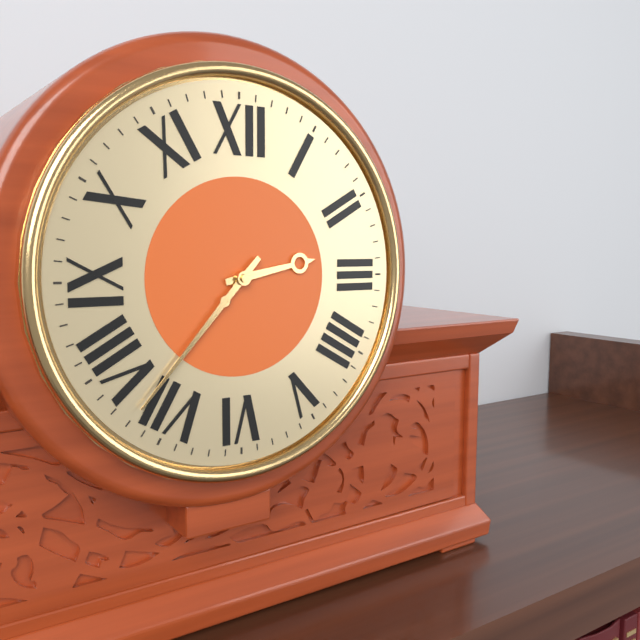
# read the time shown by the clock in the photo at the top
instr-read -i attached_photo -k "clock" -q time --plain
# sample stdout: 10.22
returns 2.37
